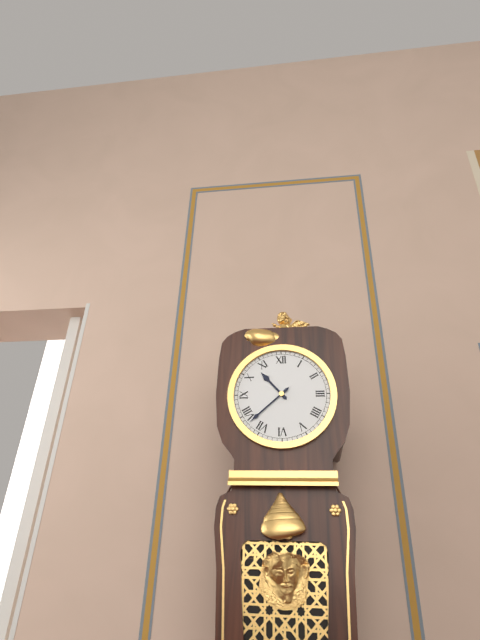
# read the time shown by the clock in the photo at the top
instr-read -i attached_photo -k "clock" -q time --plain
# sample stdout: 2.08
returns 10.38
